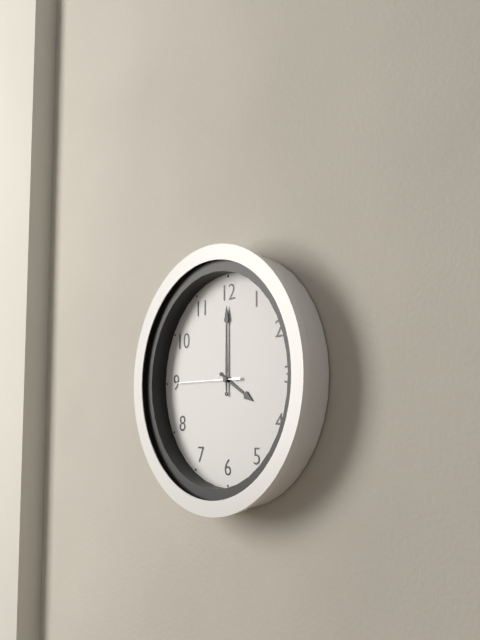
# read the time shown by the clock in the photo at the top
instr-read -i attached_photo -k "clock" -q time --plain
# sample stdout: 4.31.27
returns 4.00.45
